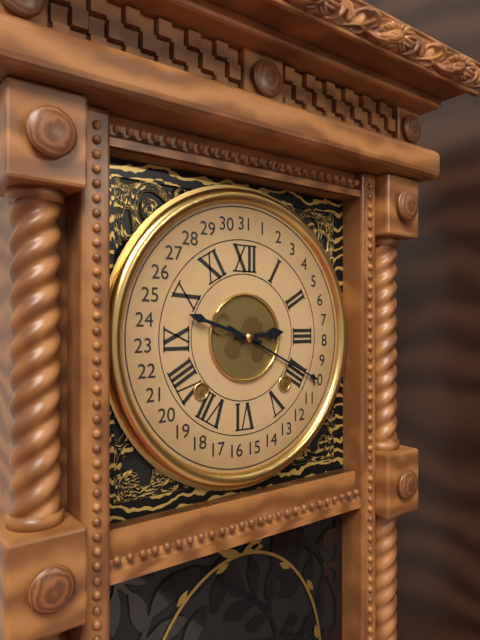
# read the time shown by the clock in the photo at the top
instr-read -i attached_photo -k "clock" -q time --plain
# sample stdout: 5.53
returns 2.48
